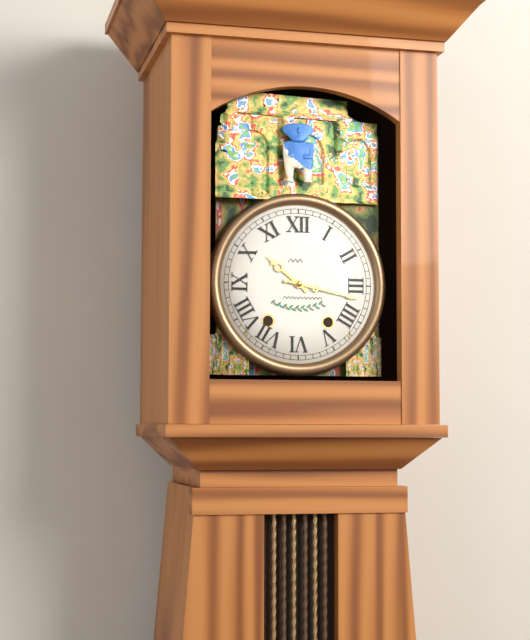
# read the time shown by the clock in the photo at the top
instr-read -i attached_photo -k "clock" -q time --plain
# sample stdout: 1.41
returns 10.17
